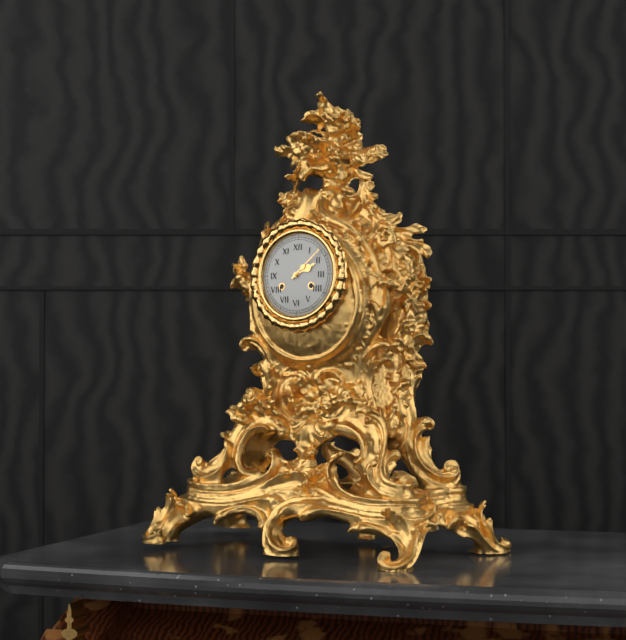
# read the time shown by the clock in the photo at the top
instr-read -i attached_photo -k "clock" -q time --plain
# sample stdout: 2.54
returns 2.08
